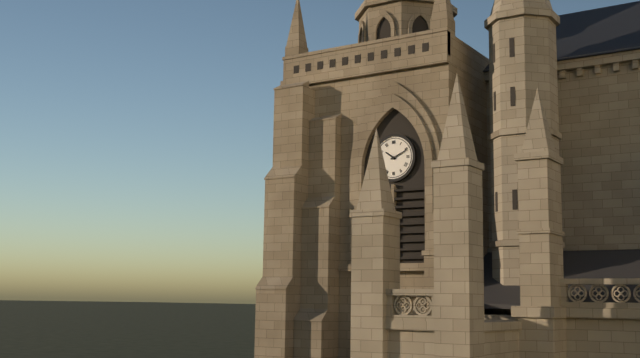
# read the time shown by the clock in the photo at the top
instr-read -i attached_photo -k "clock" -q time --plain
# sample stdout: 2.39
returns 10.11
